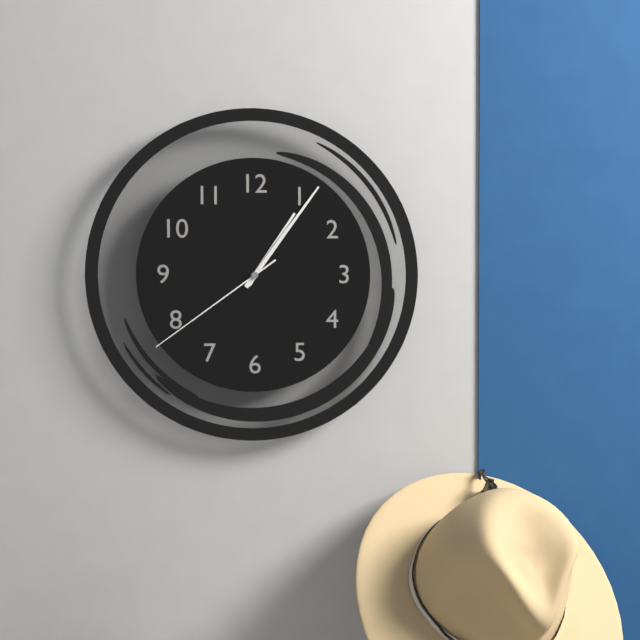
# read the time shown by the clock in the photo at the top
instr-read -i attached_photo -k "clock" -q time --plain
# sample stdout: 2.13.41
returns 1.06.39
